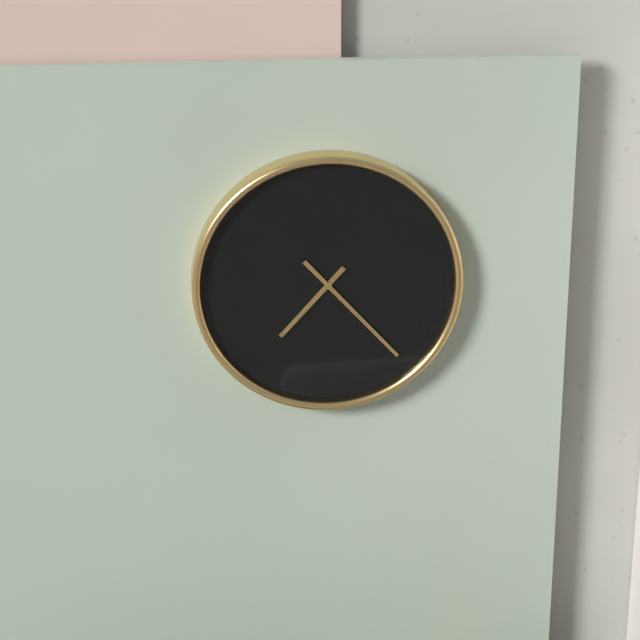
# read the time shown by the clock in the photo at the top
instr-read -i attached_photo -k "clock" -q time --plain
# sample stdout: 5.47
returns 7.23
